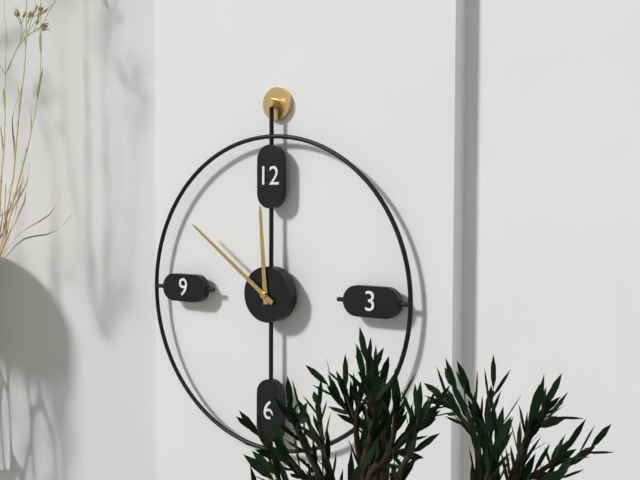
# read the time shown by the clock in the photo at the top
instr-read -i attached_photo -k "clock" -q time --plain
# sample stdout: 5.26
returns 11.51
